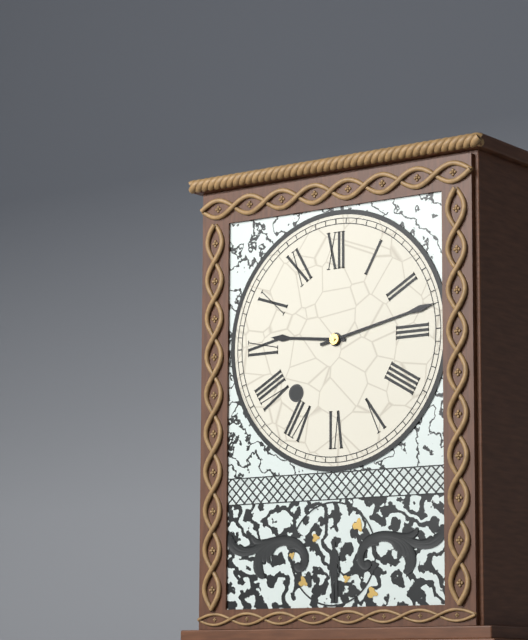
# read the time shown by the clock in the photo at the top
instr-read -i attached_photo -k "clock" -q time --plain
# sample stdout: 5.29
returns 9.13
